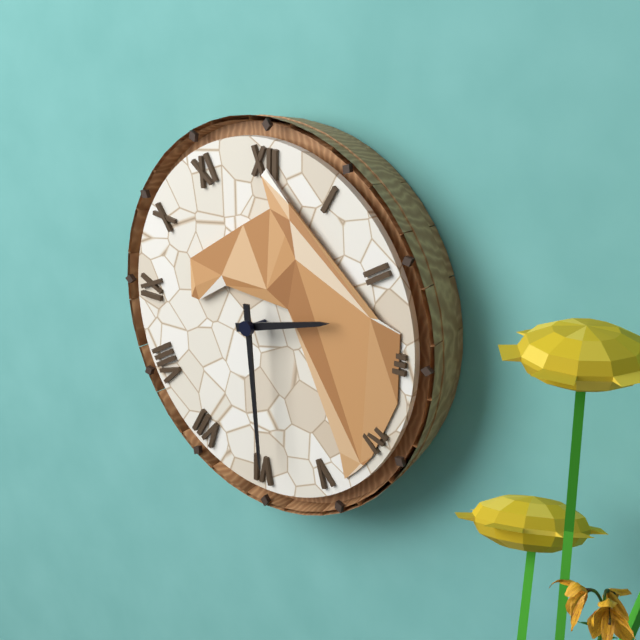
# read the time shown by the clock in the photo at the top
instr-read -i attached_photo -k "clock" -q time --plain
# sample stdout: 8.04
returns 2.29
